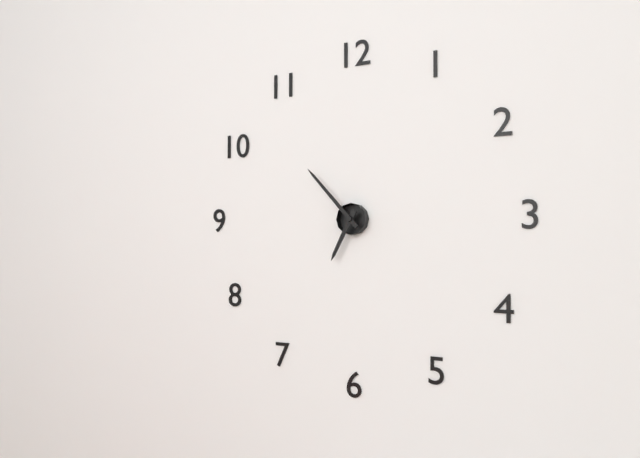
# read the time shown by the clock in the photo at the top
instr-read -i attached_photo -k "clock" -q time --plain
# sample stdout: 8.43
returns 6.53
